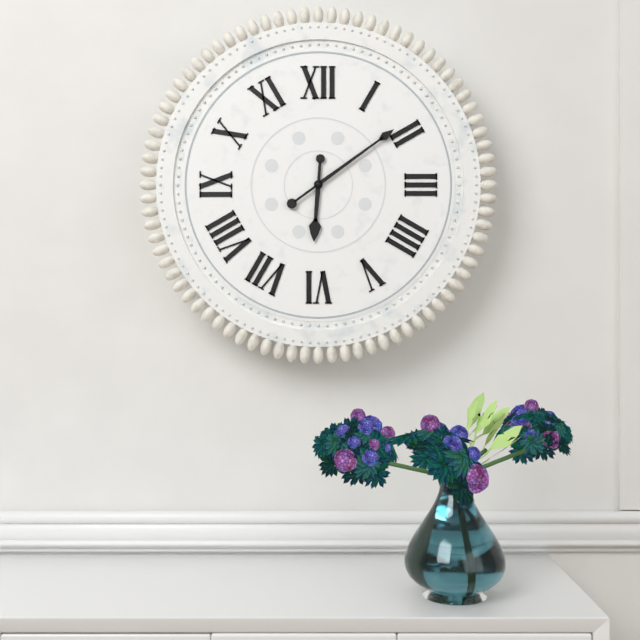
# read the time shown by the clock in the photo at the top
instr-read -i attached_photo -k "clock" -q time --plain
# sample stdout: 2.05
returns 6.09
